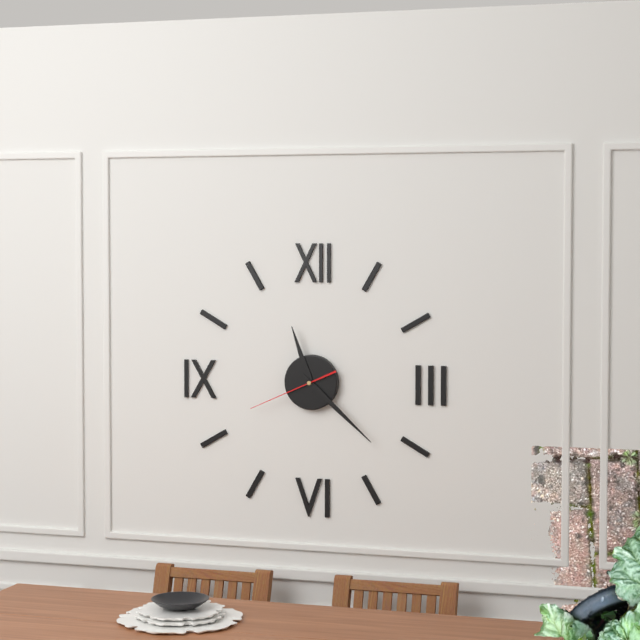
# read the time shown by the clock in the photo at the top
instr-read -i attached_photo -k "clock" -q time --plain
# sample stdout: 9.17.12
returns 11.22.41
